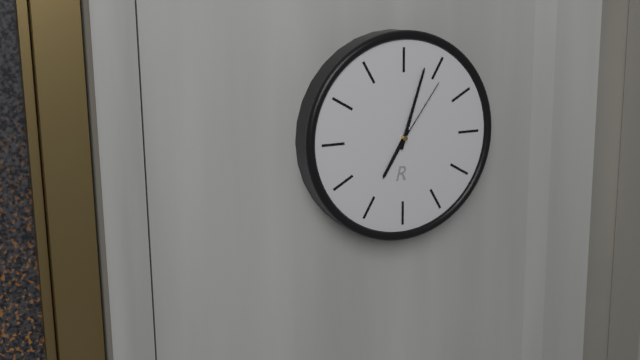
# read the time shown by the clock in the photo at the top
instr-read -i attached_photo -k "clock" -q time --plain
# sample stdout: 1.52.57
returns 7.03.06
